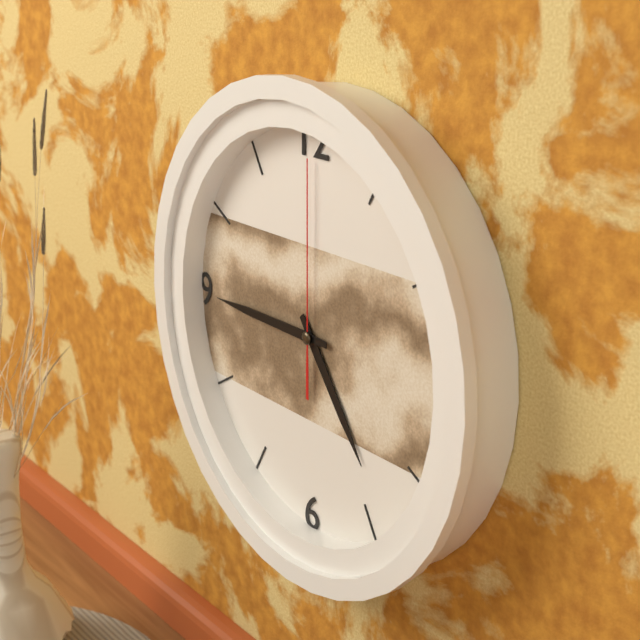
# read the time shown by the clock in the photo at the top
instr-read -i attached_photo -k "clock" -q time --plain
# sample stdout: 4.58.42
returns 4.45.00
